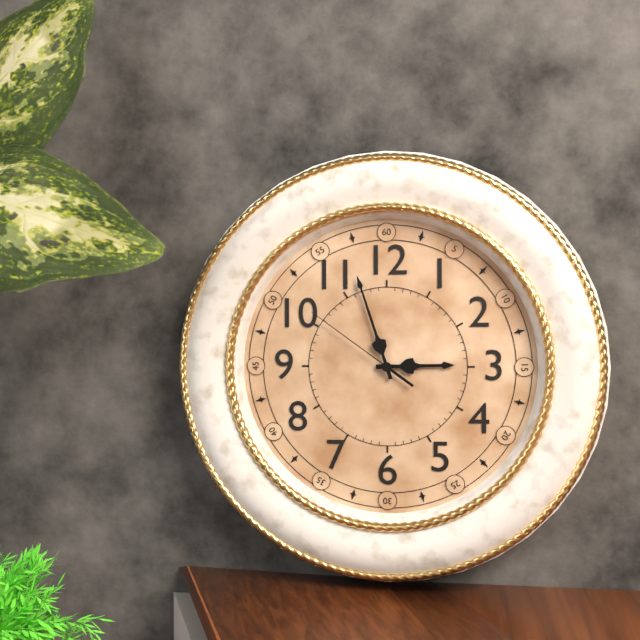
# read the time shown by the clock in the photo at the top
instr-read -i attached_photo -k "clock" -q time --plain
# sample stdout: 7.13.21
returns 2.57.51
